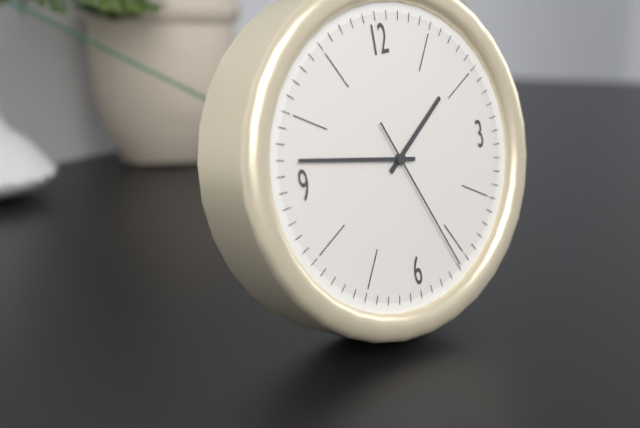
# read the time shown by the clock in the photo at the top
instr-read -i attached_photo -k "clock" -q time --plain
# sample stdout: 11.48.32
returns 1.47.26
